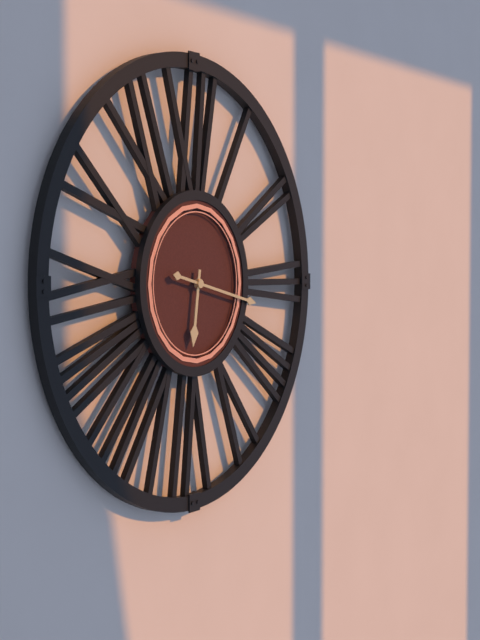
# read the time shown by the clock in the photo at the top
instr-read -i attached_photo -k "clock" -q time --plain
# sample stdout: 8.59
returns 6.17
